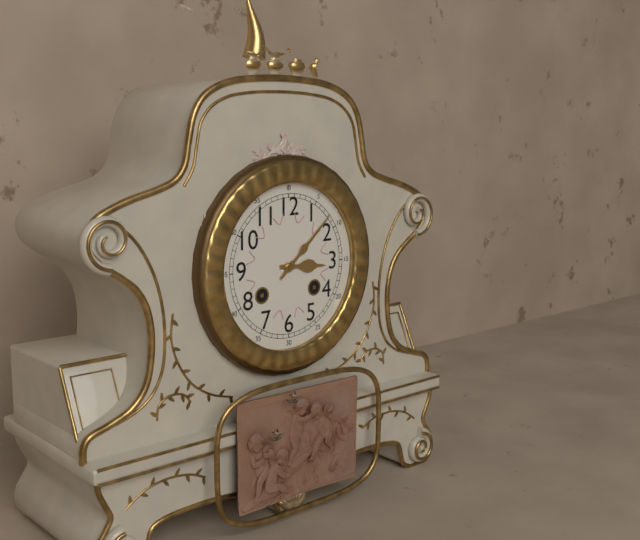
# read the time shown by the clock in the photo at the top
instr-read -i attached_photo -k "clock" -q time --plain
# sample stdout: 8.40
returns 3.08
